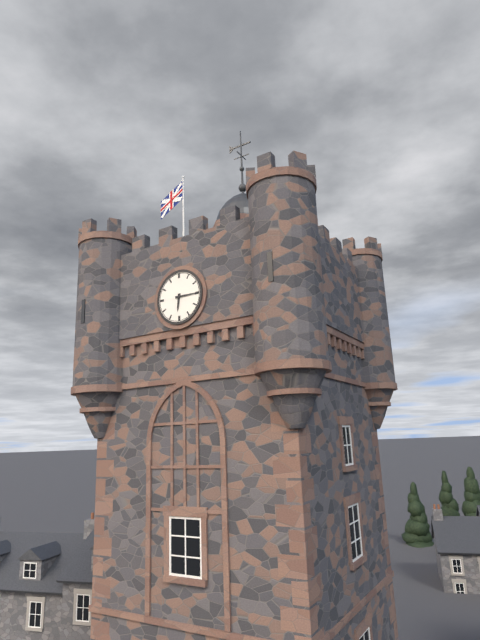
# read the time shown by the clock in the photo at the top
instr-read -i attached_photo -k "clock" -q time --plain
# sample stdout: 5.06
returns 6.15
